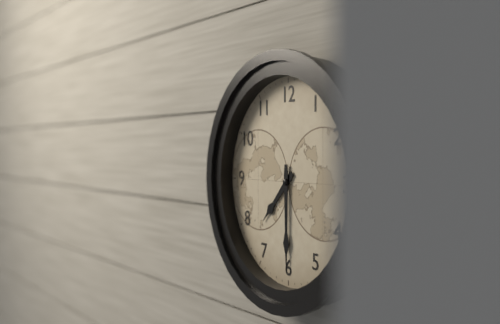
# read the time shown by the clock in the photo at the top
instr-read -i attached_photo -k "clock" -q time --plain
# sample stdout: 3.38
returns 7.30
